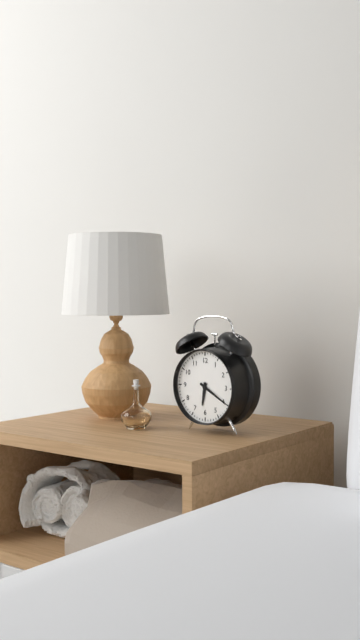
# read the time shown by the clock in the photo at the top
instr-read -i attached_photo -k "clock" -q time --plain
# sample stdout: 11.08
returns 6.20
